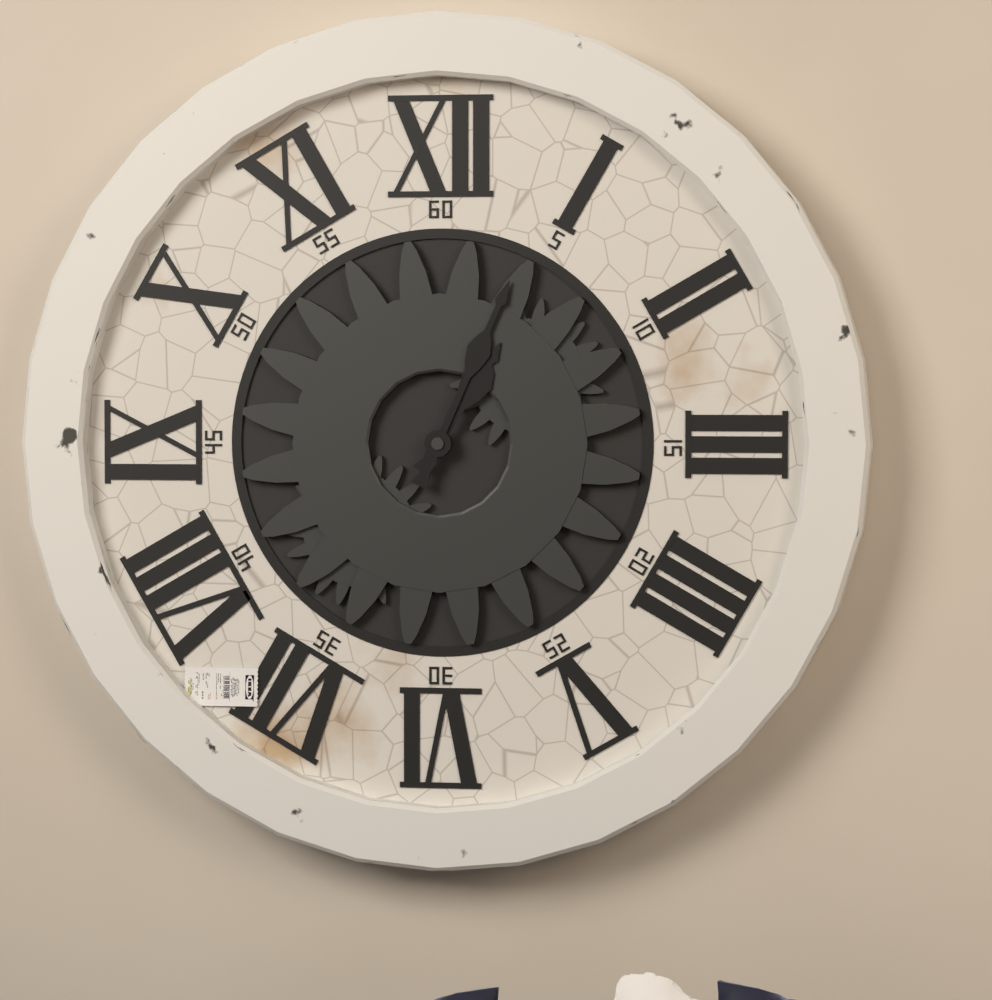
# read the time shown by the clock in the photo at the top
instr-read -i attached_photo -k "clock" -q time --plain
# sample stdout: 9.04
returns 1.04
